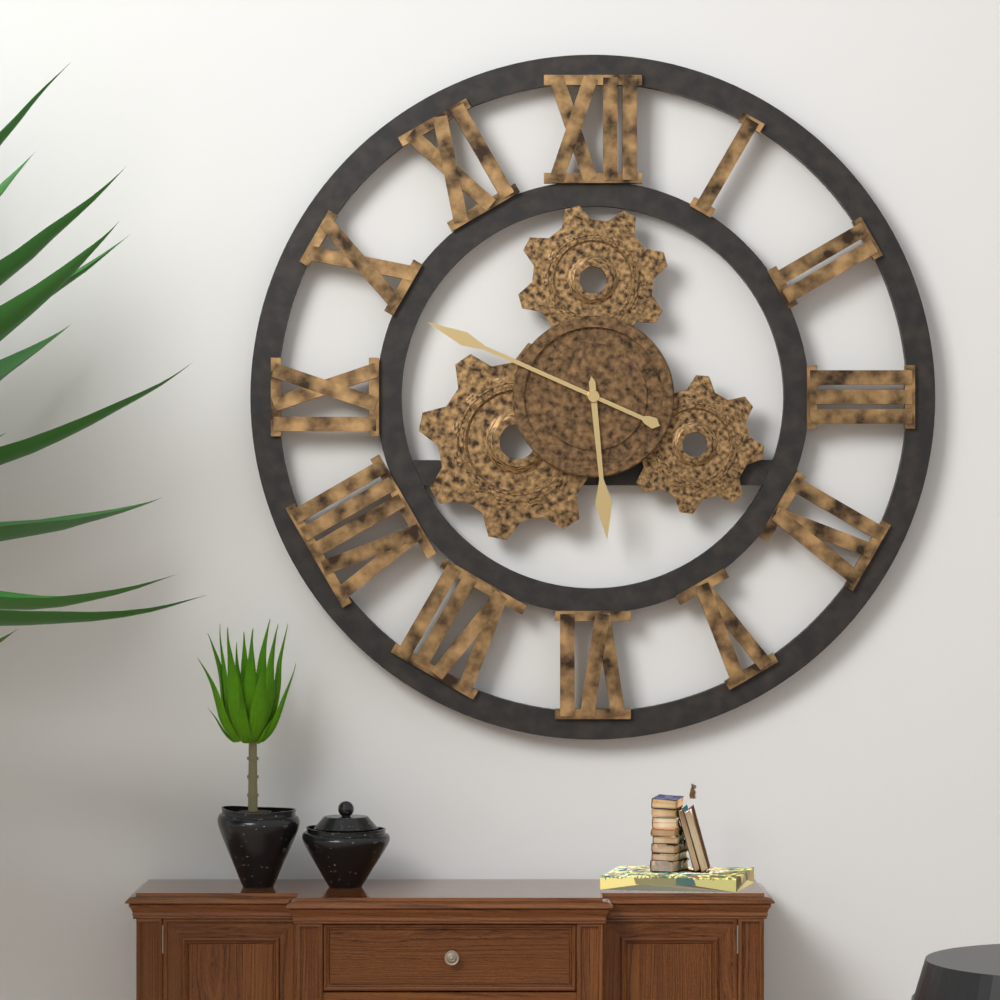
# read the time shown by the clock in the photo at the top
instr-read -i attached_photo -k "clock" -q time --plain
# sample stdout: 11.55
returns 5.49
